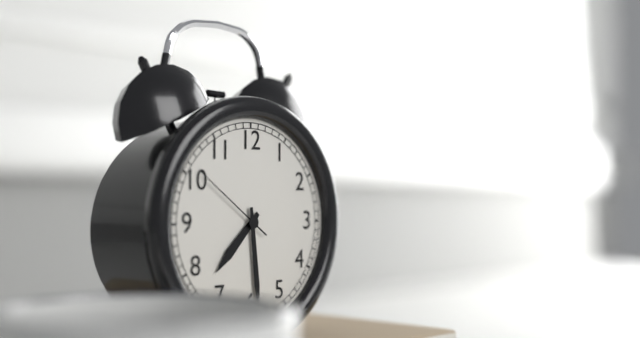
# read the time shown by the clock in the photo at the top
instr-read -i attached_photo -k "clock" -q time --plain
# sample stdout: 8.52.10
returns 7.29.51
